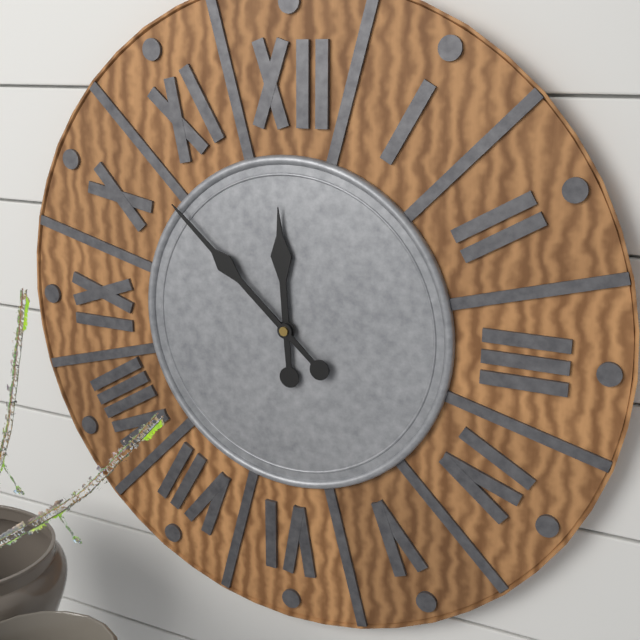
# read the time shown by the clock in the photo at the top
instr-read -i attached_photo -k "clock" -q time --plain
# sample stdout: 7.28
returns 11.52
